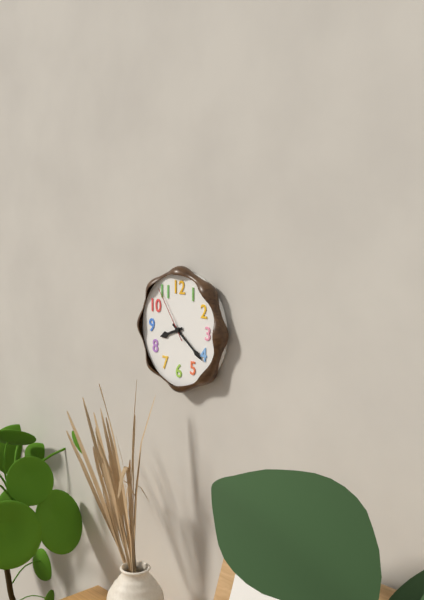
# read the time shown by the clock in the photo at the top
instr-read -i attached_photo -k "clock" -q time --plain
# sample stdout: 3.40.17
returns 8.21.54
